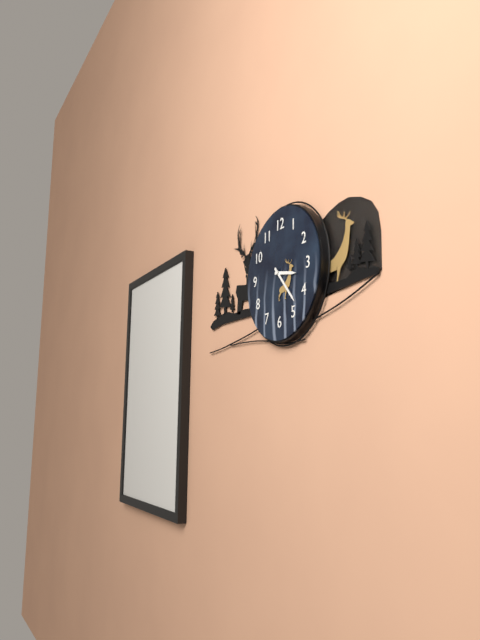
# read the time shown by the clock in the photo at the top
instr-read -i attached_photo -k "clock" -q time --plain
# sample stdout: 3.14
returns 3.23
